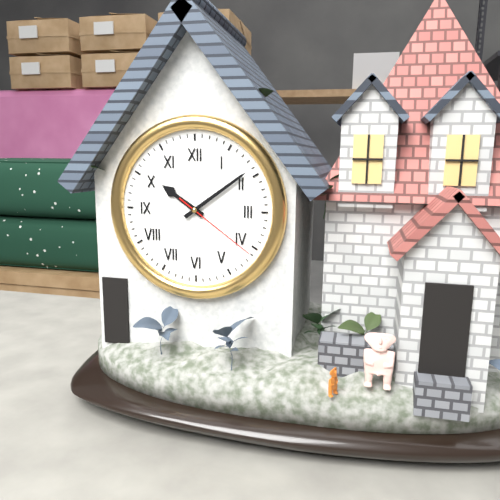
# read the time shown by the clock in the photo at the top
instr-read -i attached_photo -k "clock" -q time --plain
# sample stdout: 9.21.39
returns 10.09.21
